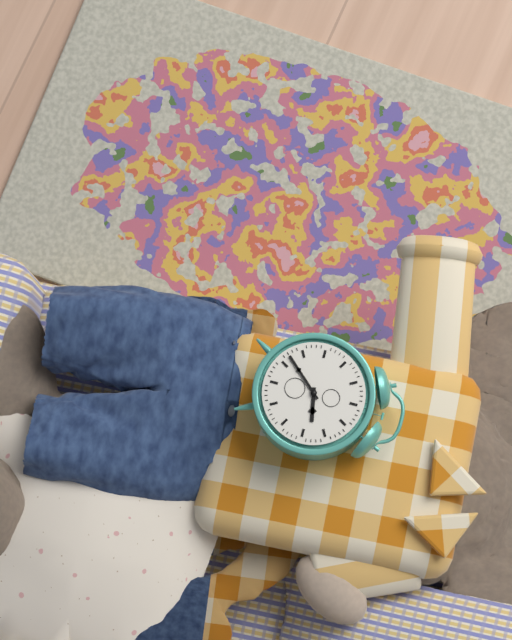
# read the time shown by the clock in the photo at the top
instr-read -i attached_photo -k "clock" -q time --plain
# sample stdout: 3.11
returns 2.37
